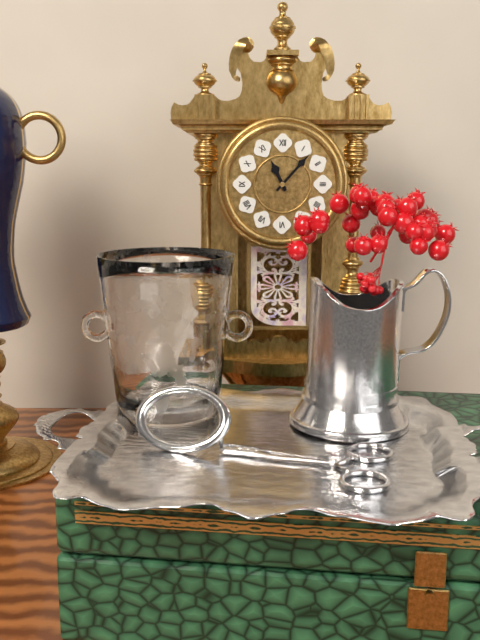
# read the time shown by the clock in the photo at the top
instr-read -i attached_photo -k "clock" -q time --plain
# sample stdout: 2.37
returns 11.07
